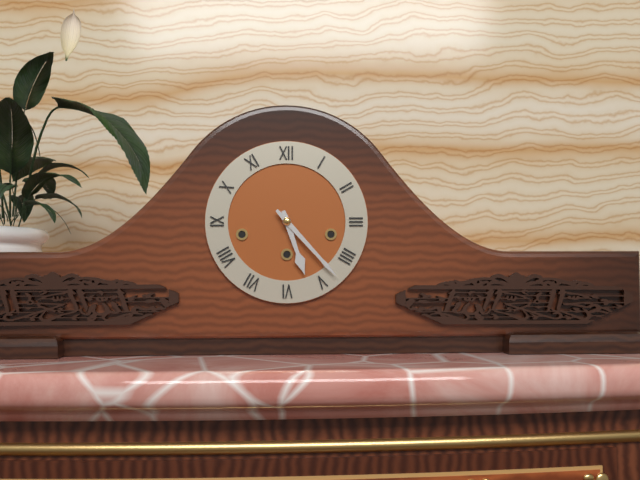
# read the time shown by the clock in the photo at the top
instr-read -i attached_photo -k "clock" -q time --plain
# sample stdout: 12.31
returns 5.23
